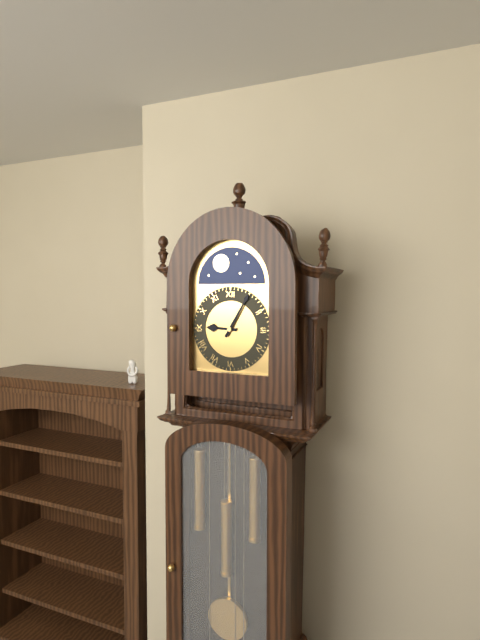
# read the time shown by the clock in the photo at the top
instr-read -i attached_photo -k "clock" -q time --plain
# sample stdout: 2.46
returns 9.05
